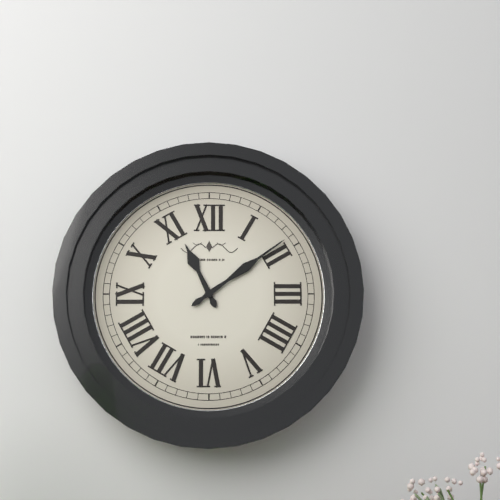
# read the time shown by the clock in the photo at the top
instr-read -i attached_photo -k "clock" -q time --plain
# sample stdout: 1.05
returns 11.09
